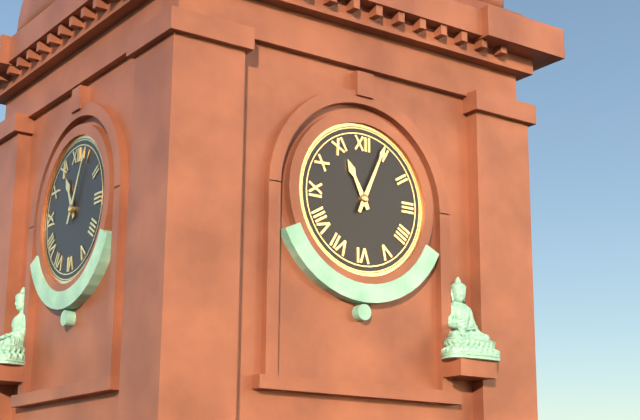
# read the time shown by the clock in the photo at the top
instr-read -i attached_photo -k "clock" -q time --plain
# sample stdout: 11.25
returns 11.04
